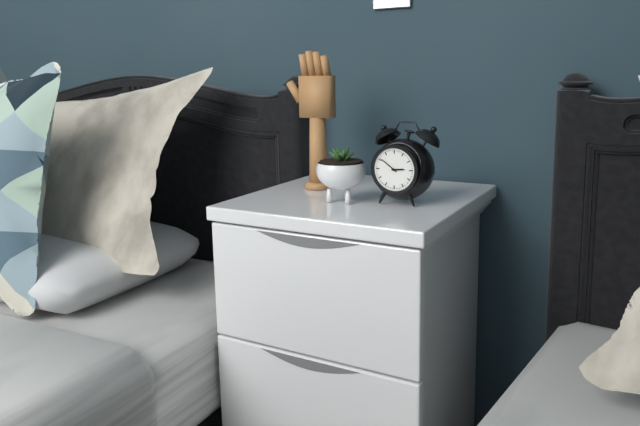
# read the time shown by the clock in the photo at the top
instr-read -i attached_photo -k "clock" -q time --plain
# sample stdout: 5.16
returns 2.51
